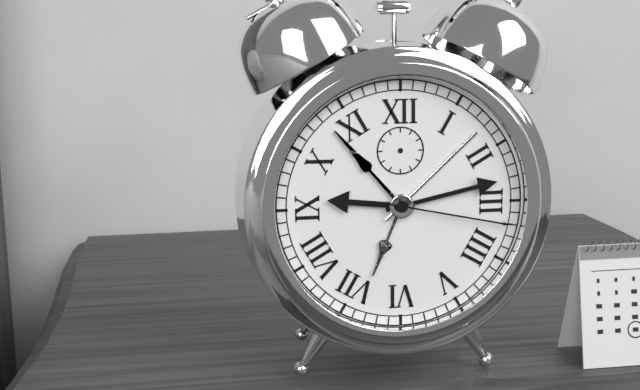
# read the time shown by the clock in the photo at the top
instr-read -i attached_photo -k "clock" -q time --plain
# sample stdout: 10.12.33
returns 9.13.17
